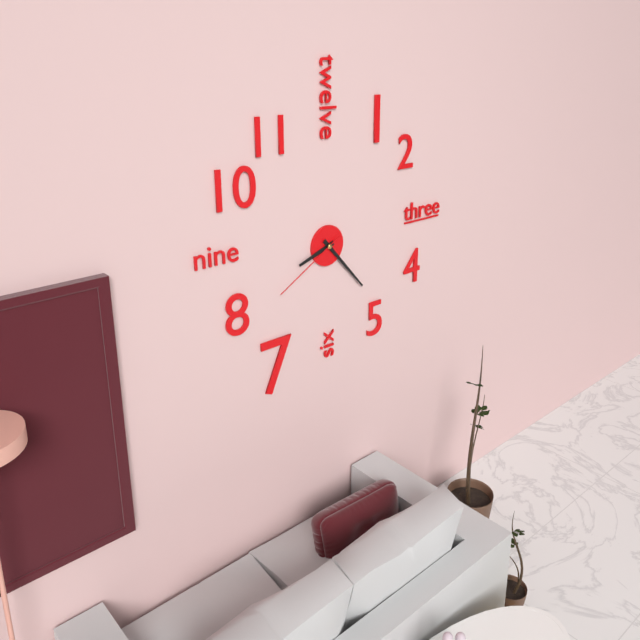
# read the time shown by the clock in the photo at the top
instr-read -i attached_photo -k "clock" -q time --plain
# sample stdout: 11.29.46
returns 8.23.40
